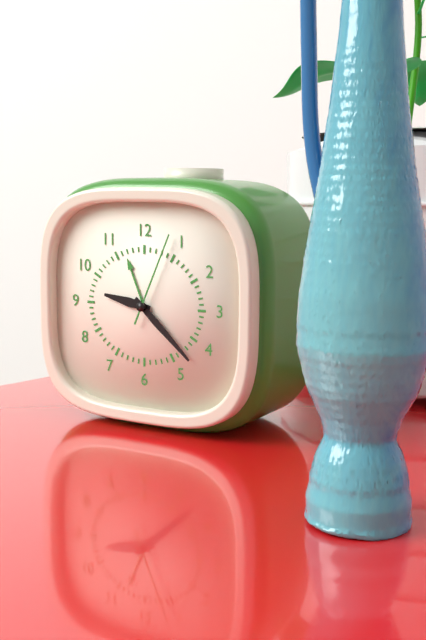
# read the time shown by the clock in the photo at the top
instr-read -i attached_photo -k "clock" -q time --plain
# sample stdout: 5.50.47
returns 9.22.04
